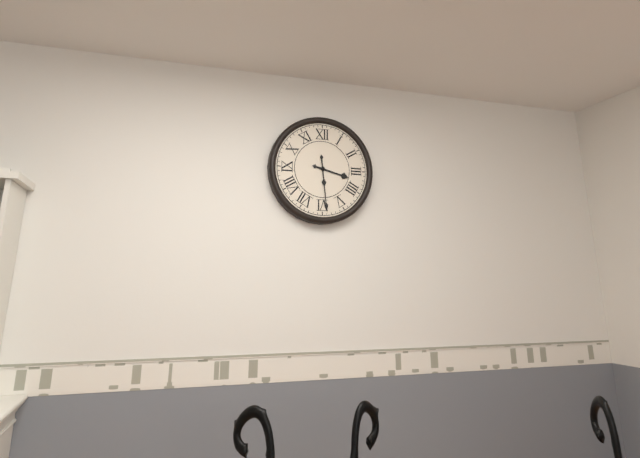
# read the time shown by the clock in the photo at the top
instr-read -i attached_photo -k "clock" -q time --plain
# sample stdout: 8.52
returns 3.29
